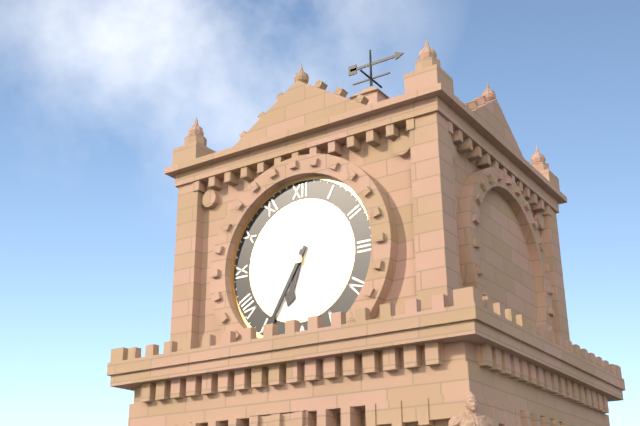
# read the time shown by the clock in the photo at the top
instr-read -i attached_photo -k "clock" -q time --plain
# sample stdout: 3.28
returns 6.35
